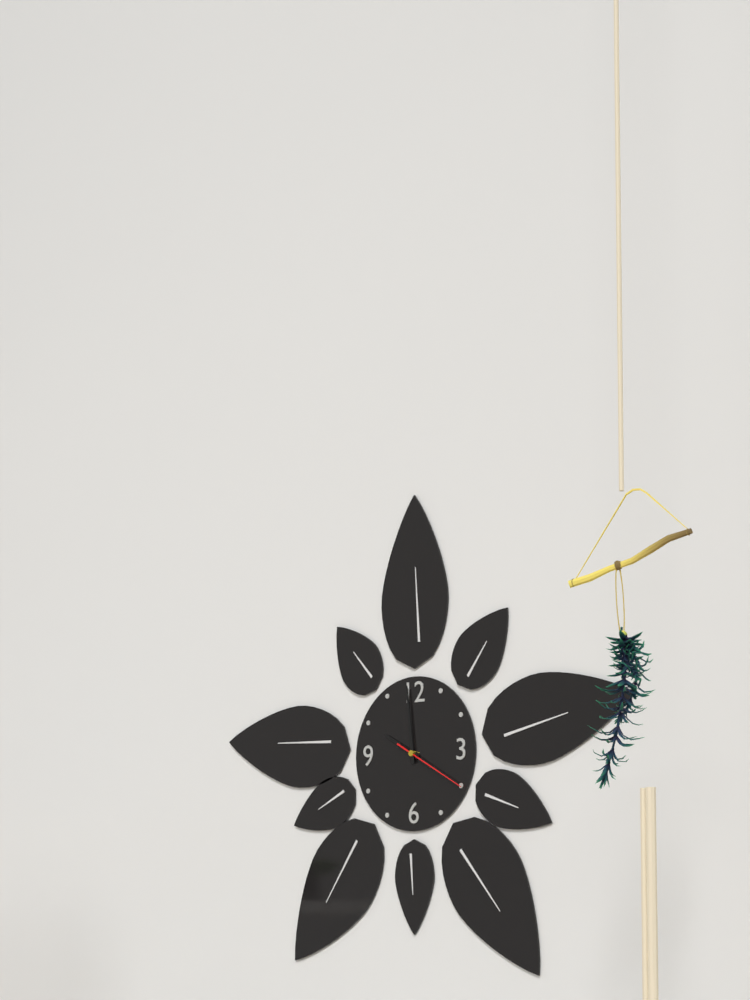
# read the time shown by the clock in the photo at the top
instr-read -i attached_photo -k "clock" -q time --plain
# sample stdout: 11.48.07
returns 9.59.20
